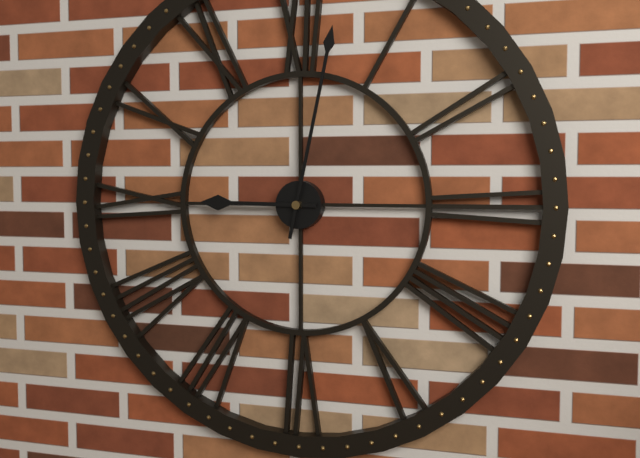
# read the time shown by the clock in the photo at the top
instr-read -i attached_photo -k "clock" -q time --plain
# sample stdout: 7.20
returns 9.02
